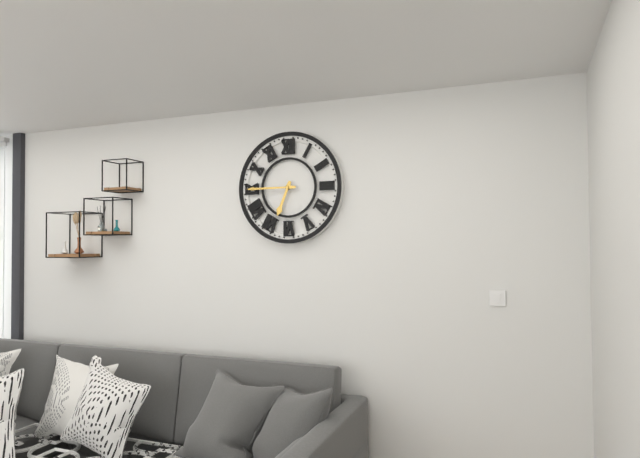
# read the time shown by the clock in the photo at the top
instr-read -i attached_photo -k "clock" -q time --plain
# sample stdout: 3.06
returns 6.45
